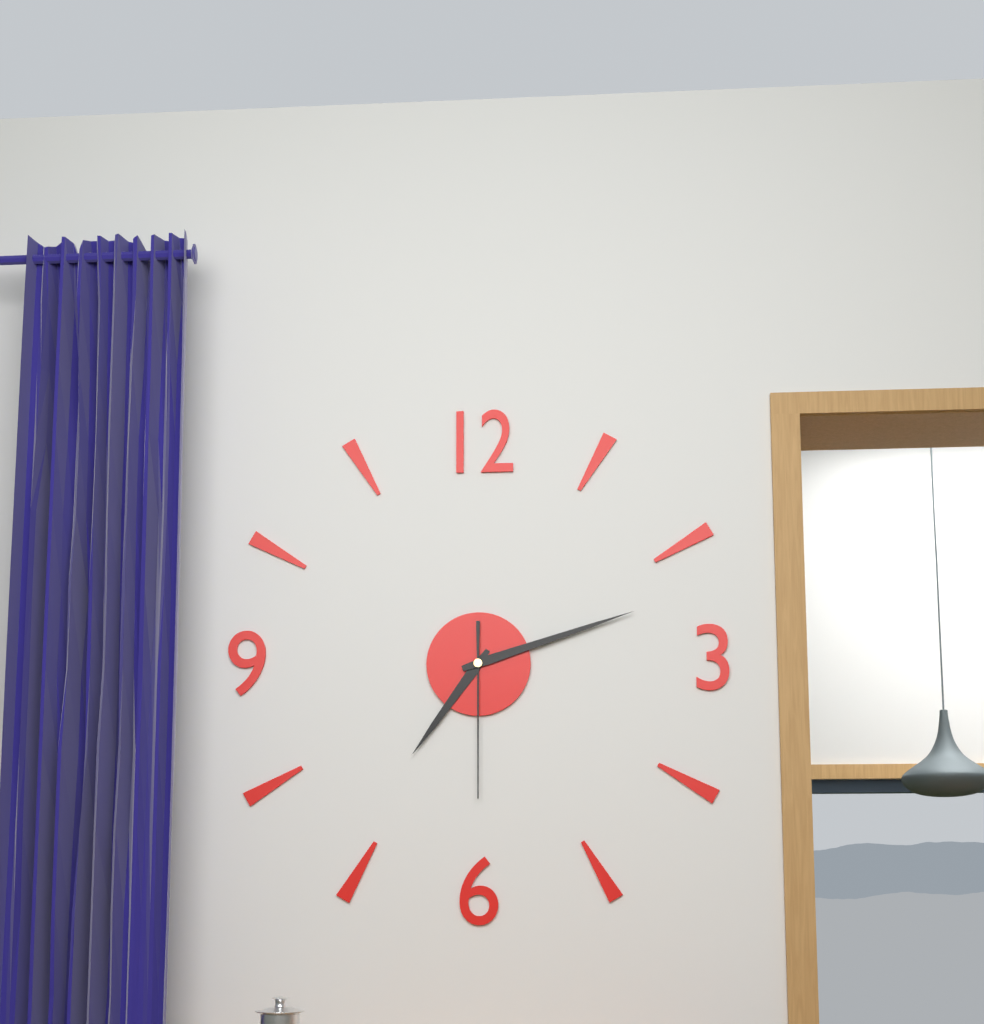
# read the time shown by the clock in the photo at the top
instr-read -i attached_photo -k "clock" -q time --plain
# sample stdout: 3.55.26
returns 7.12.30
